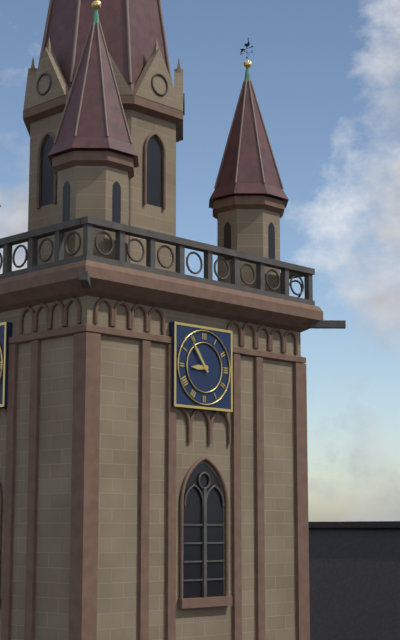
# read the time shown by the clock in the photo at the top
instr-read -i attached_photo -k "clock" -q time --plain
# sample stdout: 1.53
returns 8.54
